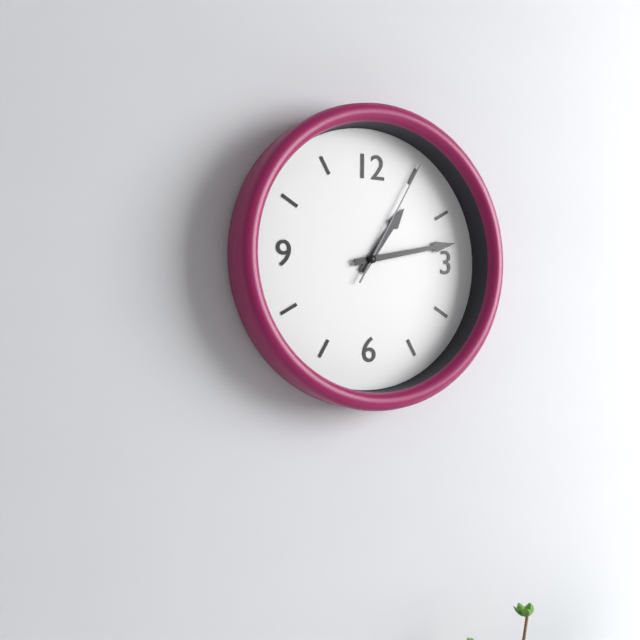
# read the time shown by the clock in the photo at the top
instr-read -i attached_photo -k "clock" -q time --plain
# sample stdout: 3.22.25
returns 1.13.05
